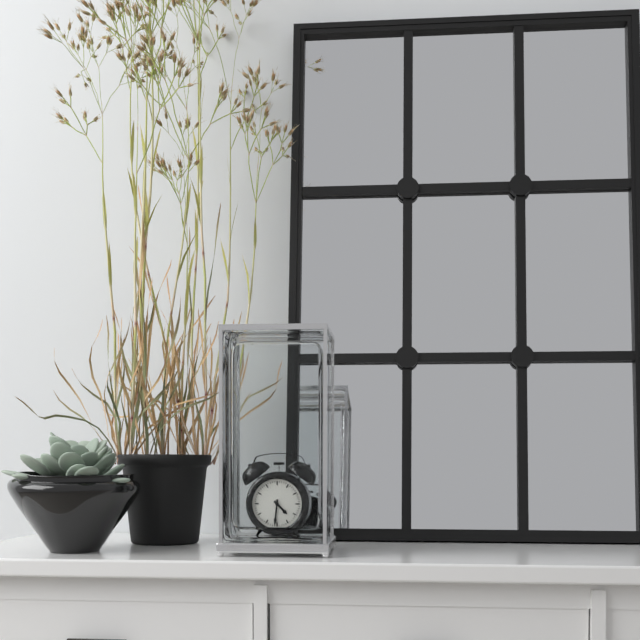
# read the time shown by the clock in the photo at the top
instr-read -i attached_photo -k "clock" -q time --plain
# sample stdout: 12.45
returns 4.31
